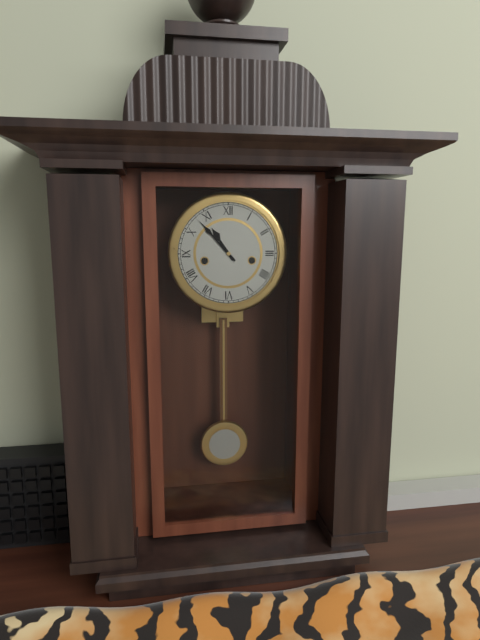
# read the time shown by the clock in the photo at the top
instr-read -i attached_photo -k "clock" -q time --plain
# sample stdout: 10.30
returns 10.53
